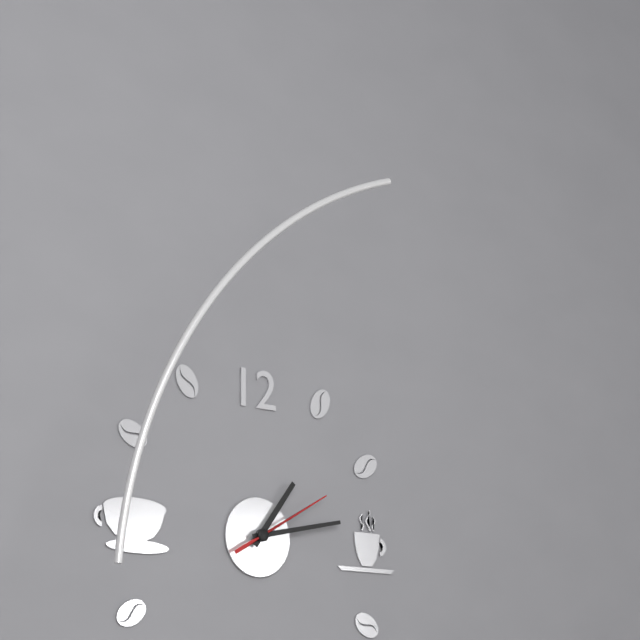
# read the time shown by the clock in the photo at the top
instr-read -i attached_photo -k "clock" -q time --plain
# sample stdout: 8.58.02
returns 1.13.10
